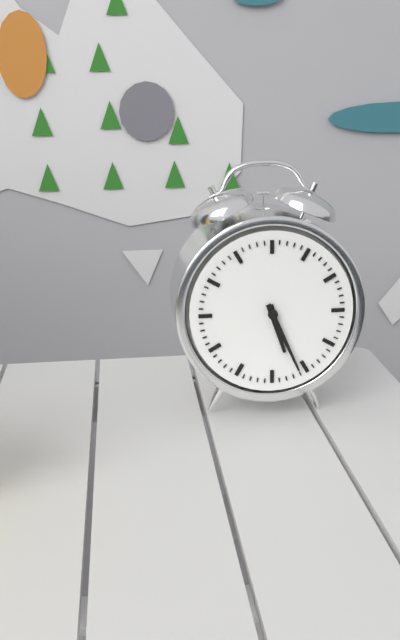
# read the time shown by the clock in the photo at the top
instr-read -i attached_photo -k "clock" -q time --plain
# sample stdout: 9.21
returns 5.26
